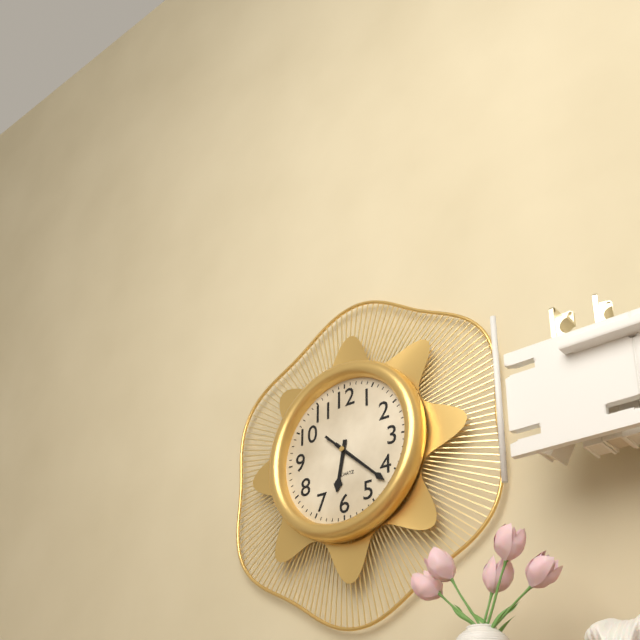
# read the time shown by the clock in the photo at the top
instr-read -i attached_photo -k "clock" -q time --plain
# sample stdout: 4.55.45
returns 6.22.22
